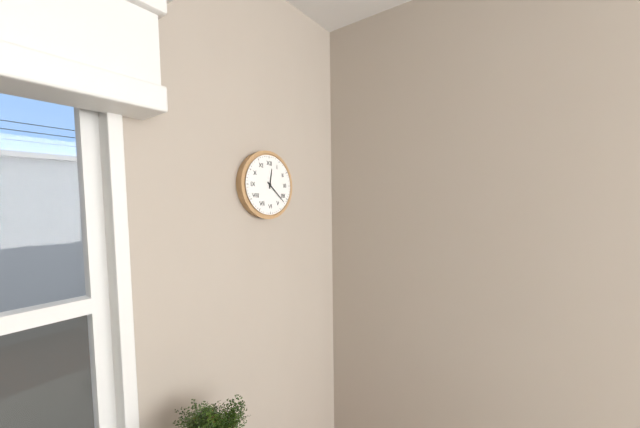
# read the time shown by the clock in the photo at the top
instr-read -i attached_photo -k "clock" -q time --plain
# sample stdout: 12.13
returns 12.22
